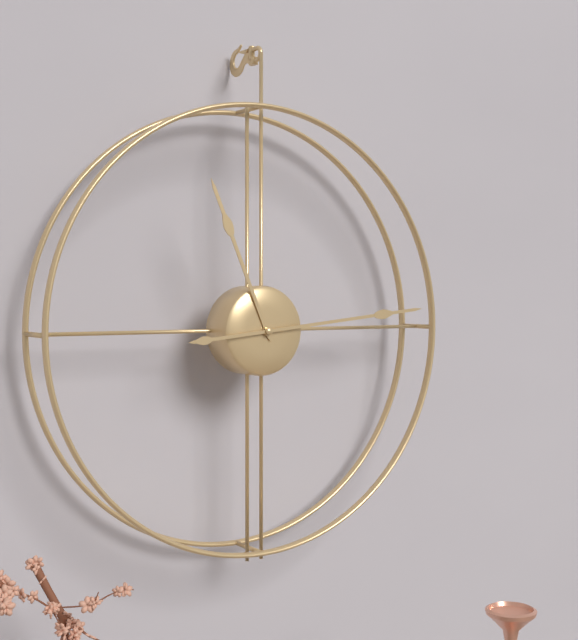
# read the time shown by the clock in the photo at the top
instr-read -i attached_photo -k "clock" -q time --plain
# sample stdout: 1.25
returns 11.14
